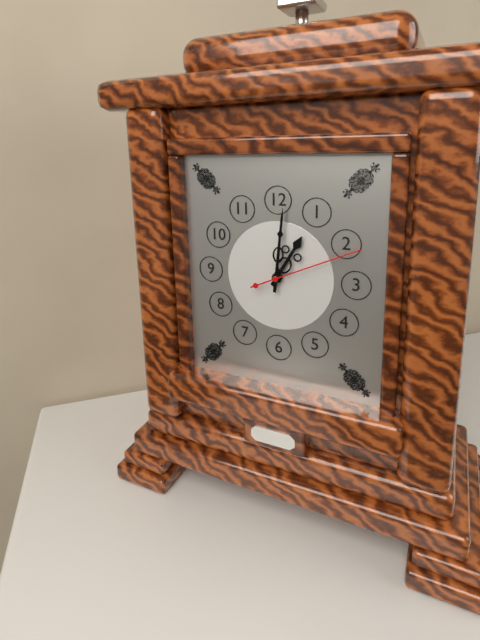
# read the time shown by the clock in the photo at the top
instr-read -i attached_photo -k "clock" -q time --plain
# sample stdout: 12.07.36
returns 1.01.11
